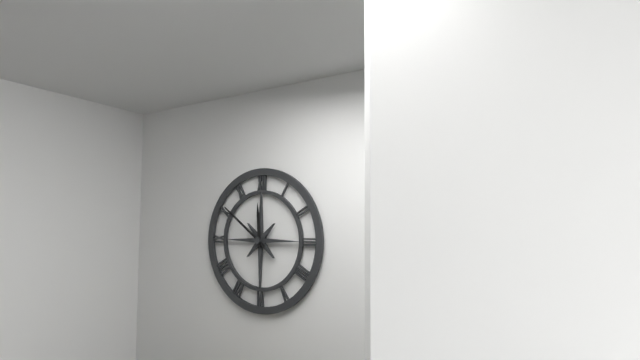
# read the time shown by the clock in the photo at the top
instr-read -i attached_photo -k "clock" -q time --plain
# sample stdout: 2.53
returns 11.51
